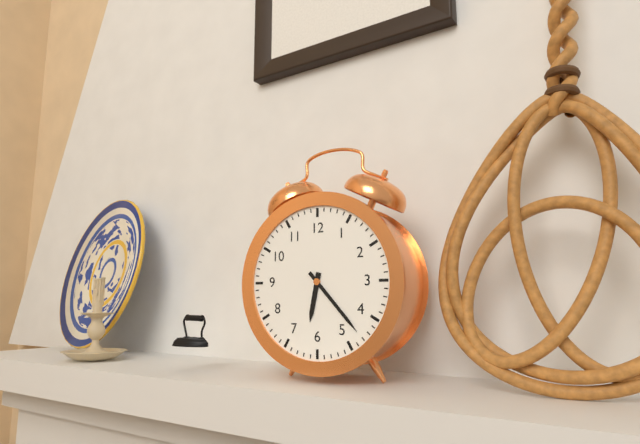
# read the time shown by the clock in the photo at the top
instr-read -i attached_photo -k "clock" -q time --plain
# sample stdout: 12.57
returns 6.23
